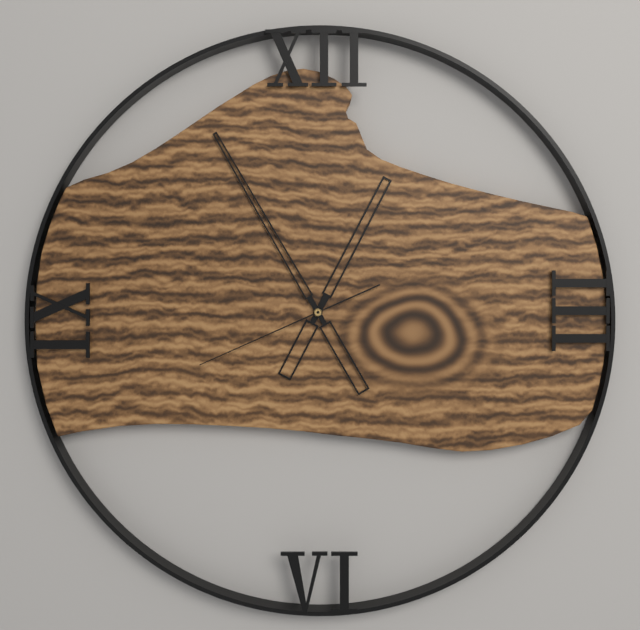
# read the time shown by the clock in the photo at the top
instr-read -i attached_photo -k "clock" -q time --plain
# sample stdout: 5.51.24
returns 12.55.41
